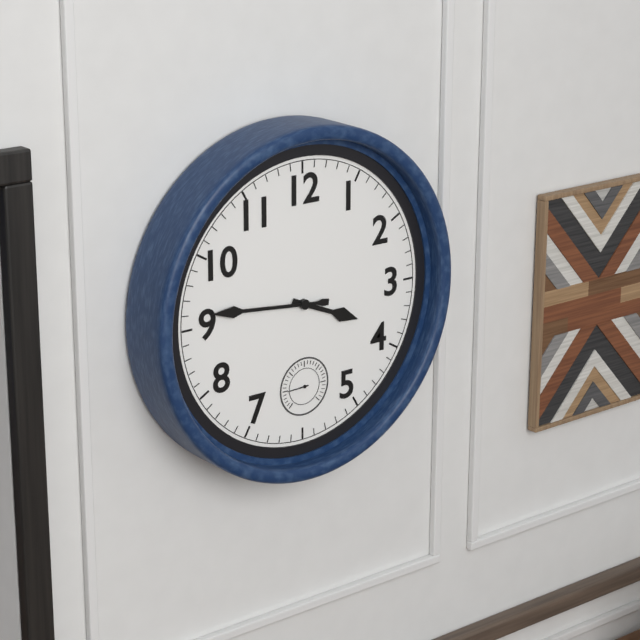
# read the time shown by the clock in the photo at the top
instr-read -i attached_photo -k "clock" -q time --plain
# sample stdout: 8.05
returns 3.46
